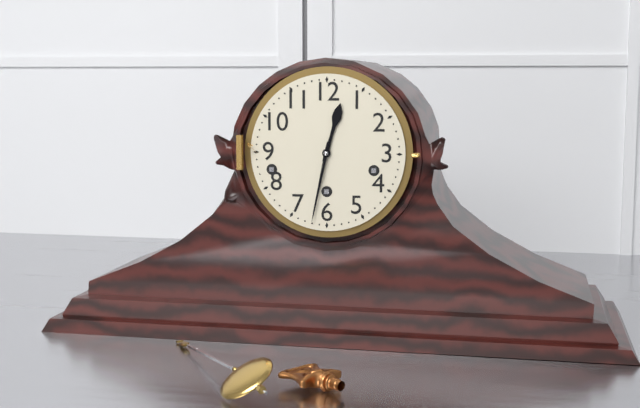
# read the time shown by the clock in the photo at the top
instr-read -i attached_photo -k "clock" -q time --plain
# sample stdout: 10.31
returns 12.32
